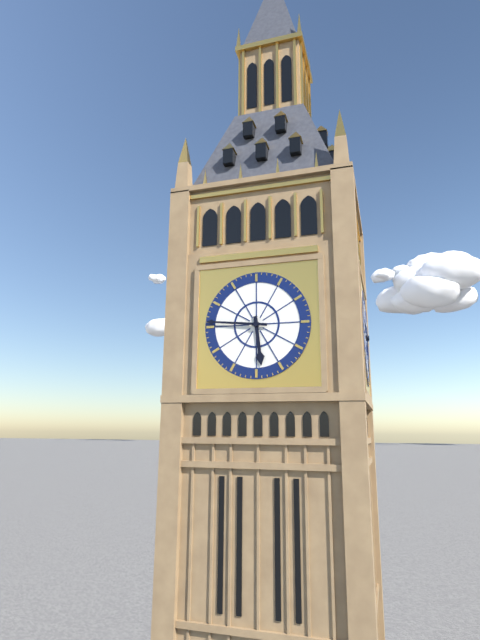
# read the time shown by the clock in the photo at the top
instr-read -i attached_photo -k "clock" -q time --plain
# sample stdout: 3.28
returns 5.46
